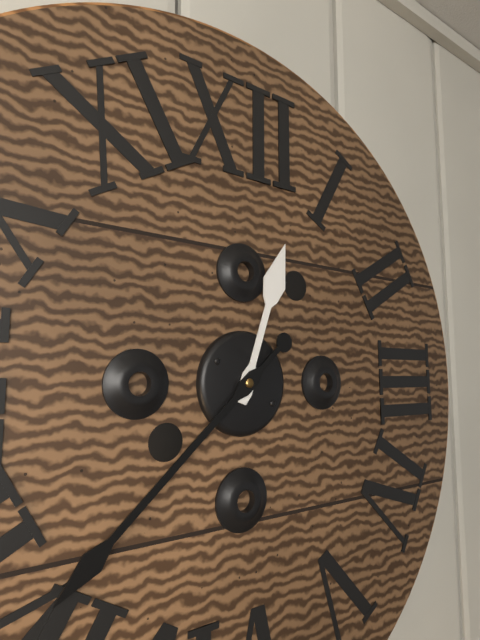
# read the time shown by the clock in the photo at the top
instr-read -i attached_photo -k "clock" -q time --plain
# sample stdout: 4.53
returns 12.38
